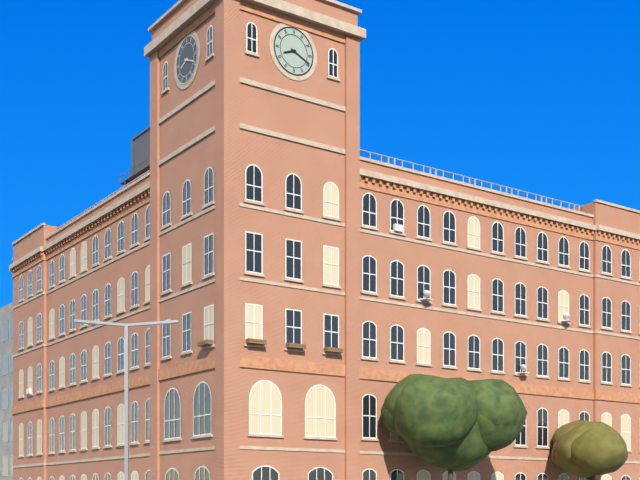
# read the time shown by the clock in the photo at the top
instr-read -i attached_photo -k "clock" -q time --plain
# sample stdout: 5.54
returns 8.19
